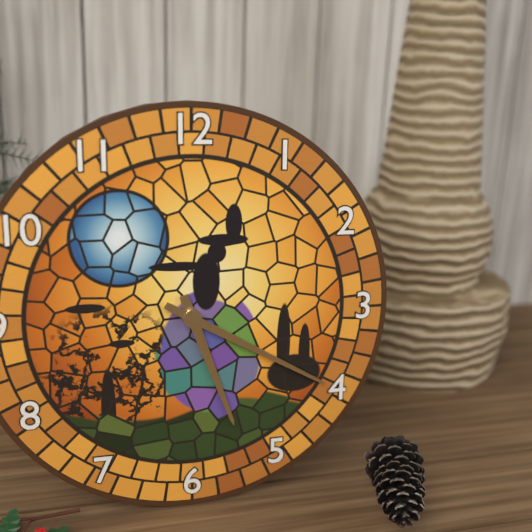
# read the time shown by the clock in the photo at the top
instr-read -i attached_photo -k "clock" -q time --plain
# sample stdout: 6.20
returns 5.20
